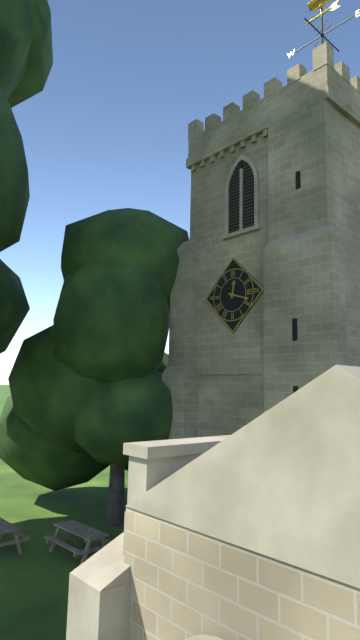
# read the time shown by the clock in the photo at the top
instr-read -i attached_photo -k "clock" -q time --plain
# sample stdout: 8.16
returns 12.18
